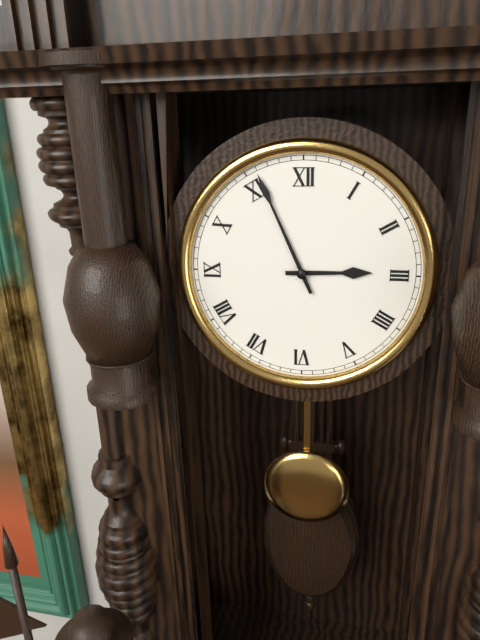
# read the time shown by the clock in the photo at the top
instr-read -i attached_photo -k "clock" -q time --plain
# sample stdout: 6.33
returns 2.56
